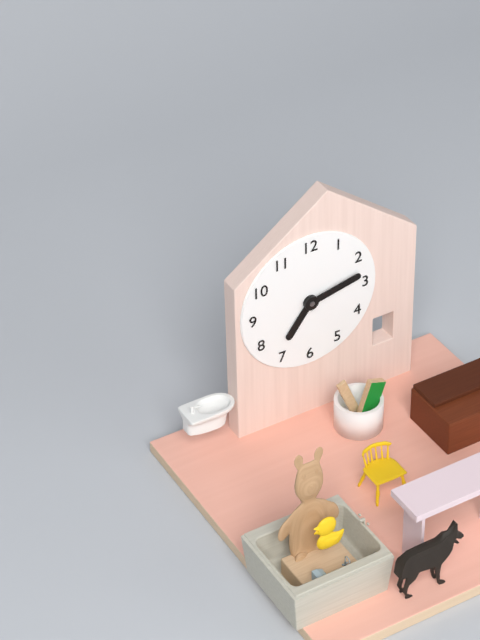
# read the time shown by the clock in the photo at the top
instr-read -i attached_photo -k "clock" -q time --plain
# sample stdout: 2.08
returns 7.13
